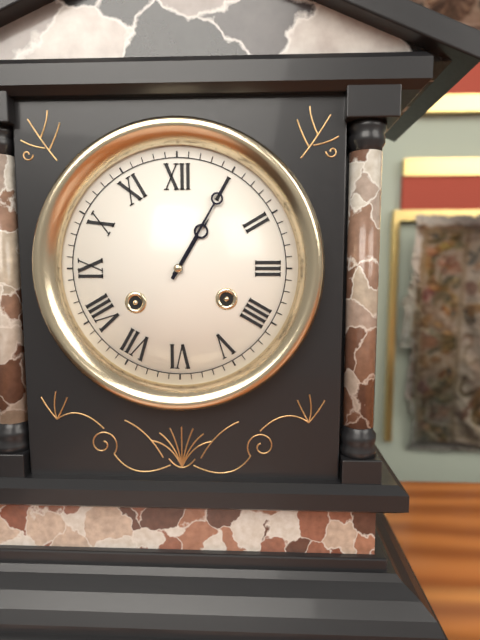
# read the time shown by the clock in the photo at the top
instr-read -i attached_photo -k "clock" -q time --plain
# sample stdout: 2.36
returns 1.05
